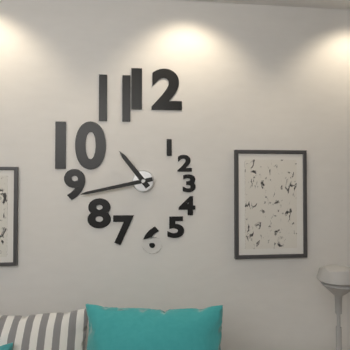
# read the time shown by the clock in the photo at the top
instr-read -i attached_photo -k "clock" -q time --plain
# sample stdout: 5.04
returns 10.43
